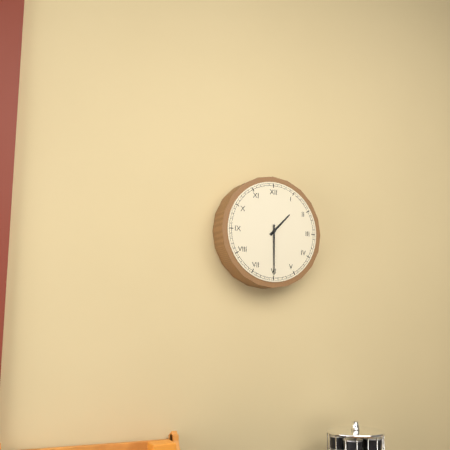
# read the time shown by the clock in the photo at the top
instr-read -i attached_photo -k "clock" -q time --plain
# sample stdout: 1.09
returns 1.30
